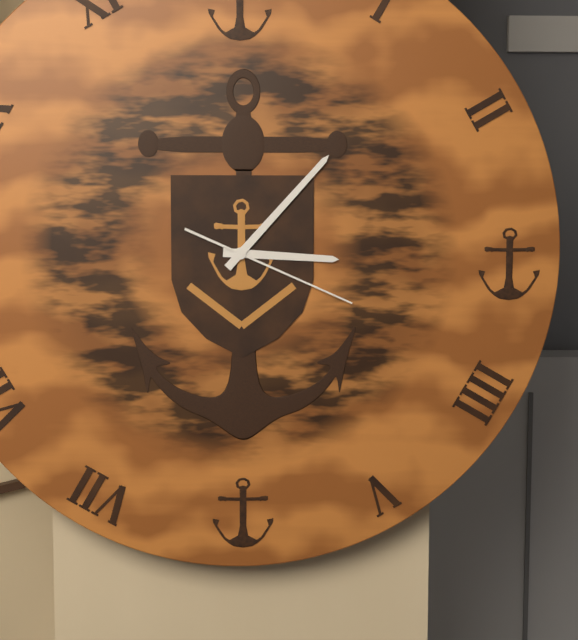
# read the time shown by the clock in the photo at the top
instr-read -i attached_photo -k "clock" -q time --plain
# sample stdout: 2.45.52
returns 3.07.19
